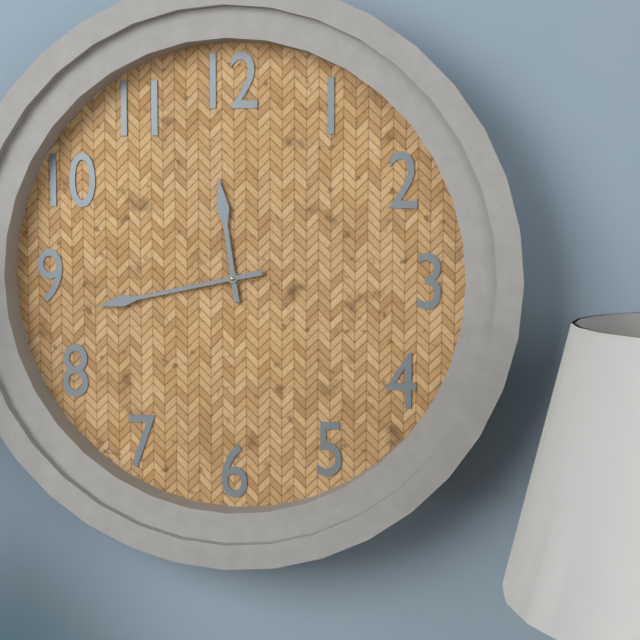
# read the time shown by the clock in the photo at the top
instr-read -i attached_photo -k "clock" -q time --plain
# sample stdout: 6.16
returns 11.43
